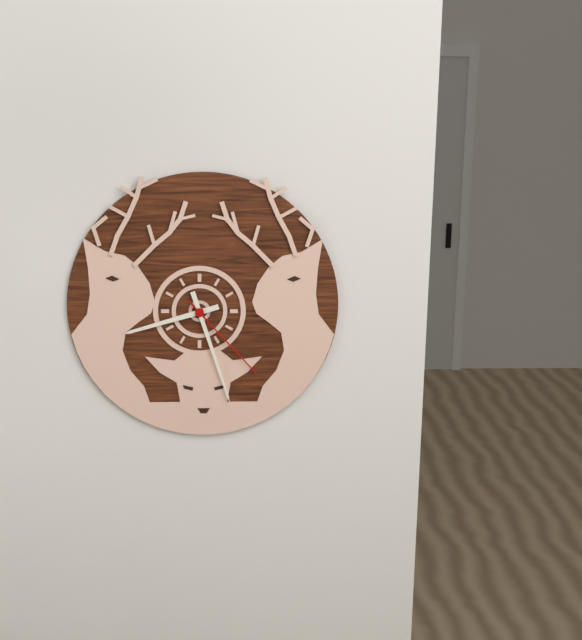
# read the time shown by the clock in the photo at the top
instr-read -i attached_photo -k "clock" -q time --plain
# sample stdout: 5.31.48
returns 8.27.23
